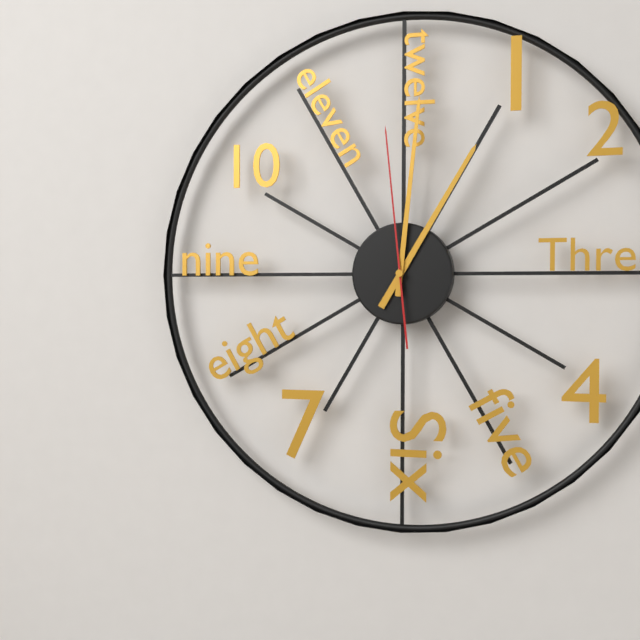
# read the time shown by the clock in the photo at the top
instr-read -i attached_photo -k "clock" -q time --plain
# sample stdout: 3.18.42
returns 1.01.59
